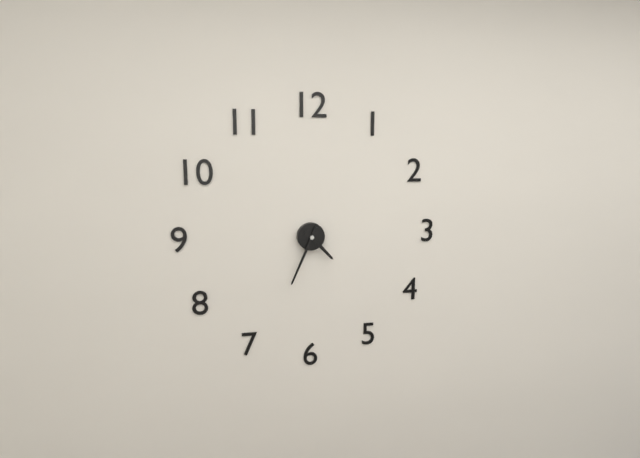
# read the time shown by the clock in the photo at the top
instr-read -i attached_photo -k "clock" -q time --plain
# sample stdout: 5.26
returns 4.34
